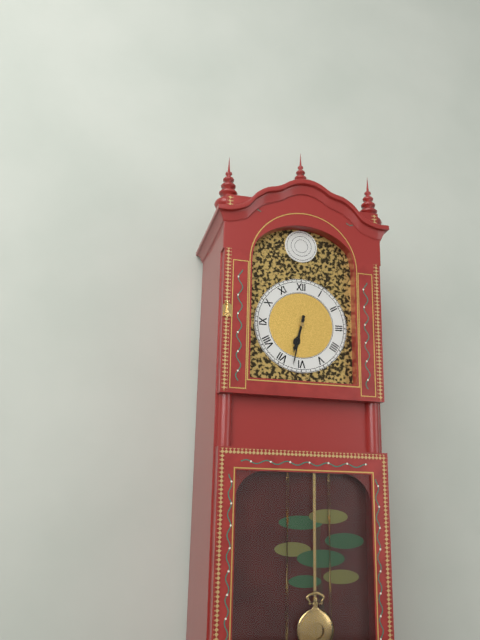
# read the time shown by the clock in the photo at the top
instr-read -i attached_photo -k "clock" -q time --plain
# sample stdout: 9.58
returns 6.32
